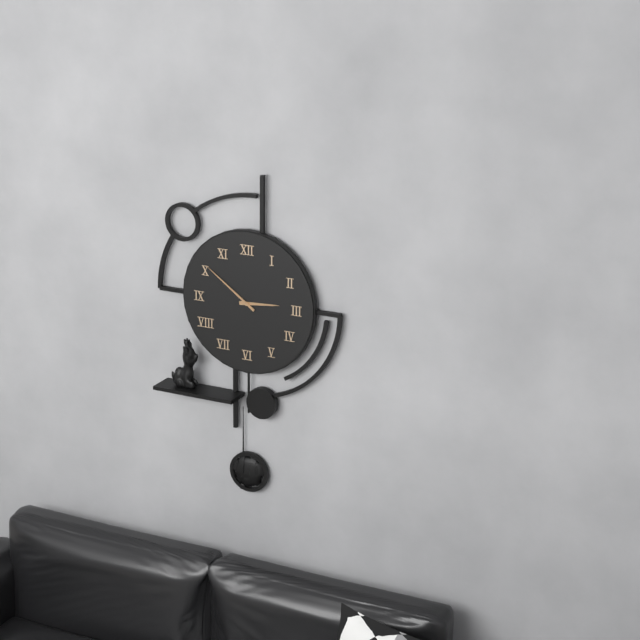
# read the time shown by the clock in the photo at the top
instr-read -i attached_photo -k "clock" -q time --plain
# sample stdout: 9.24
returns 2.51
